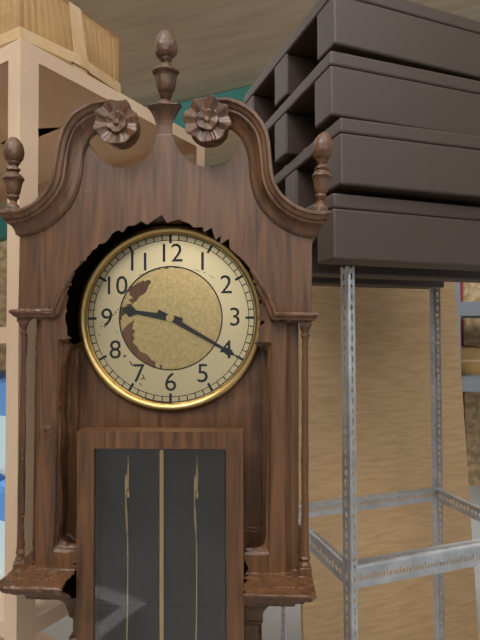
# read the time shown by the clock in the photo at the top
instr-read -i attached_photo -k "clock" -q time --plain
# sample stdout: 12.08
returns 9.20
